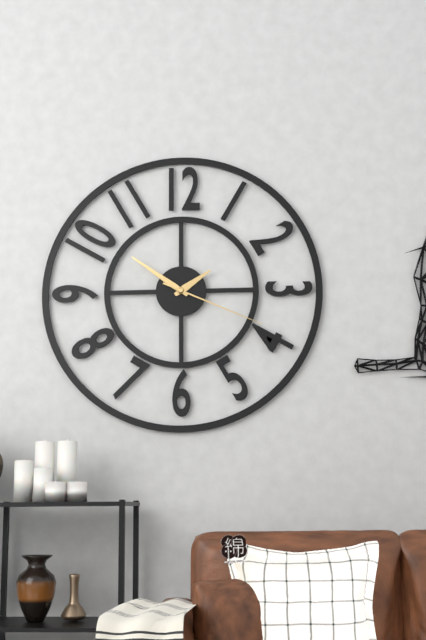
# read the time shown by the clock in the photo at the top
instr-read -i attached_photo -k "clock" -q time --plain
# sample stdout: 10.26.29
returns 1.51.19
